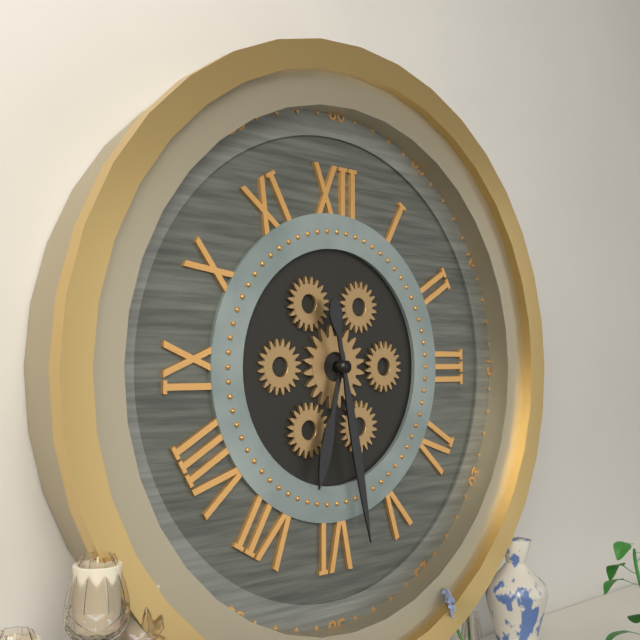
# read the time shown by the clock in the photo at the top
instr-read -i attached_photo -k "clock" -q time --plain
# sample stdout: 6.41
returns 6.28
